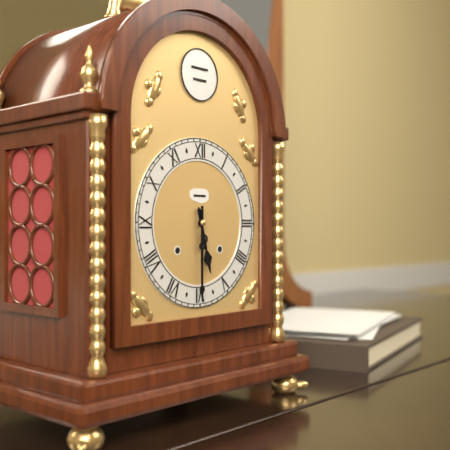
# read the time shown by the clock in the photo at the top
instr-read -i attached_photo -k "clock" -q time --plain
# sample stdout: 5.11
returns 5.30
